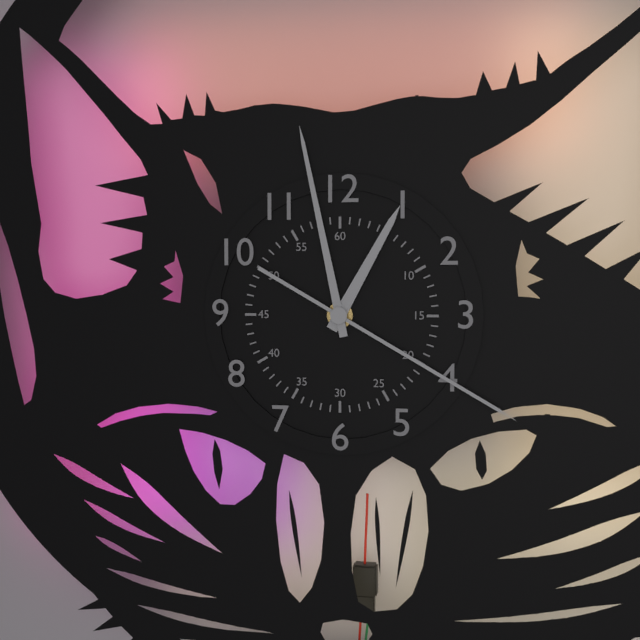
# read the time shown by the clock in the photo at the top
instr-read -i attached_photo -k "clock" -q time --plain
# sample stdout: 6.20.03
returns 12.58.20
